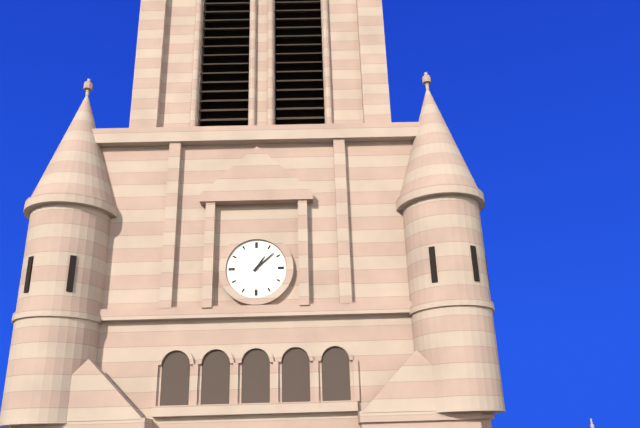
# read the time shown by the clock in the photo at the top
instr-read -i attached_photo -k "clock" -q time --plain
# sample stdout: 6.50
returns 1.08
